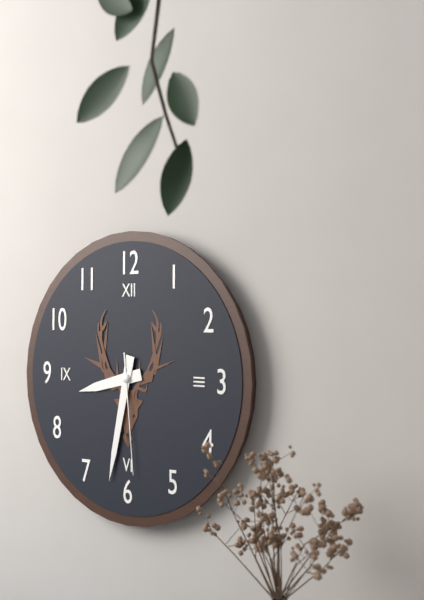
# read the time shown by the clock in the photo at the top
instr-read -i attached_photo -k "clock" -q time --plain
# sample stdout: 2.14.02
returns 8.32.29
